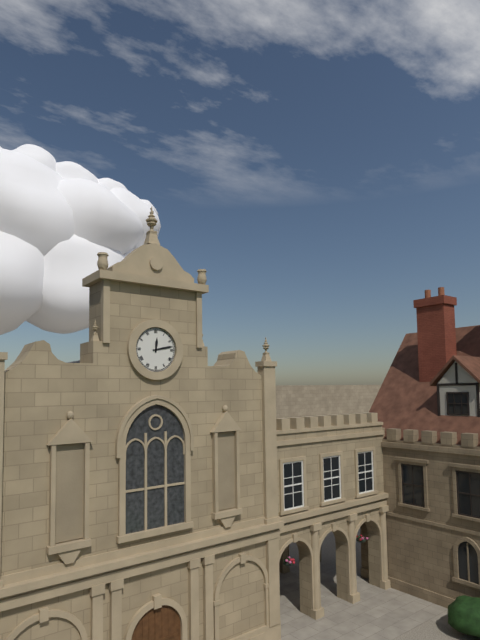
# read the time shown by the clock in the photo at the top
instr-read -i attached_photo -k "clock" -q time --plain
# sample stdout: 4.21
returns 12.13
